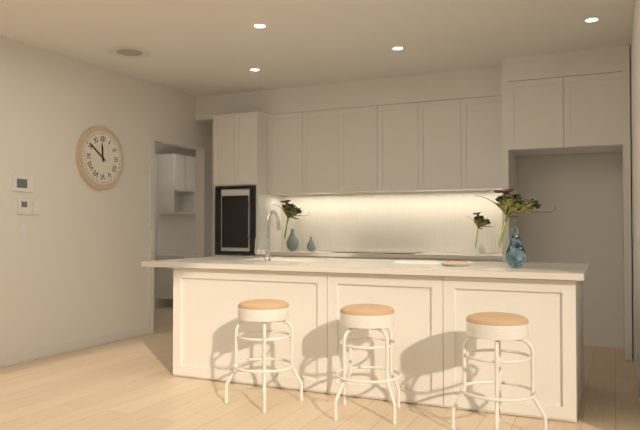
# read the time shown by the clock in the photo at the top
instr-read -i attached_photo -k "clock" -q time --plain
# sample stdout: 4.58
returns 11.51
